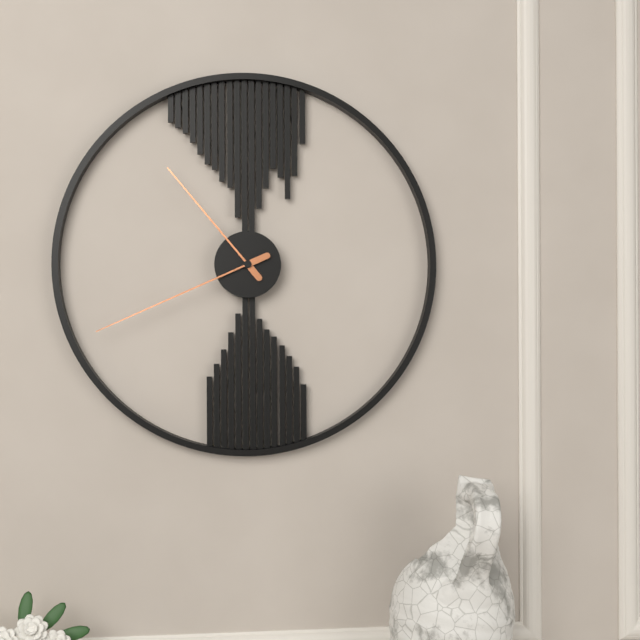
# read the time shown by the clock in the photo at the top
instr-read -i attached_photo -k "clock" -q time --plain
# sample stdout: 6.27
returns 10.41
